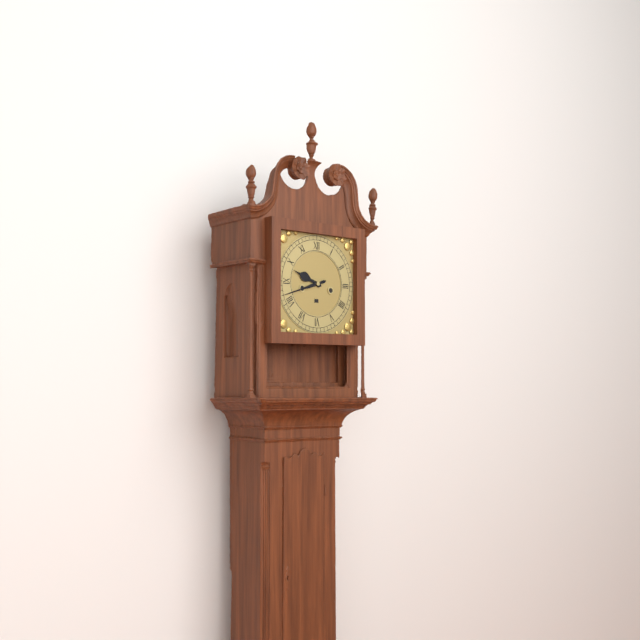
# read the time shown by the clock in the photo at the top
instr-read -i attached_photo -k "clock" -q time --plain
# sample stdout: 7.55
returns 9.42
